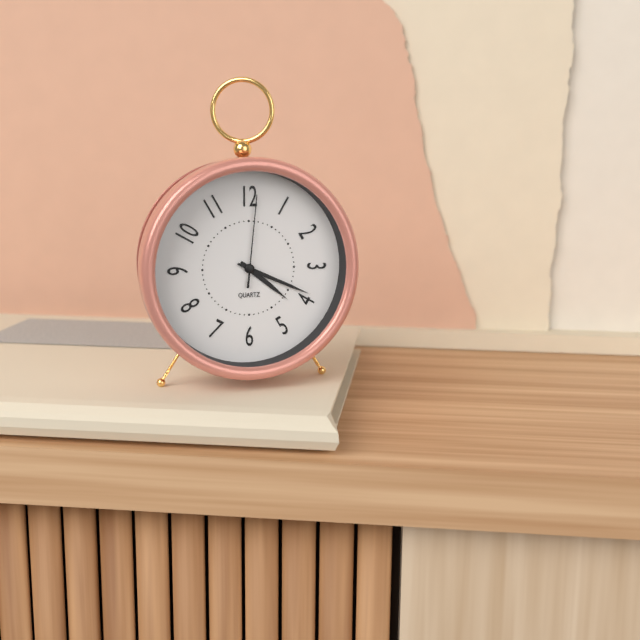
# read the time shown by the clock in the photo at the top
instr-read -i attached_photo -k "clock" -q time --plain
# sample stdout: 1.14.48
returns 4.19.01
